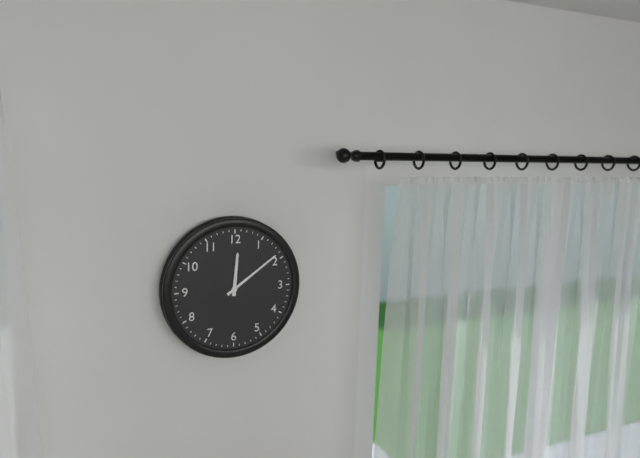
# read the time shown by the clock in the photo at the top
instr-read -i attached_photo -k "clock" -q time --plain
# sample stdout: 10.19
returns 12.09
